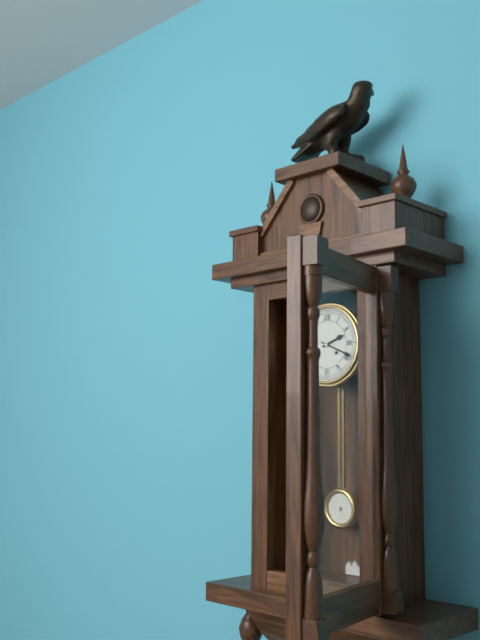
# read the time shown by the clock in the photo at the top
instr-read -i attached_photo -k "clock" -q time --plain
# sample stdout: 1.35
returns 2.19
